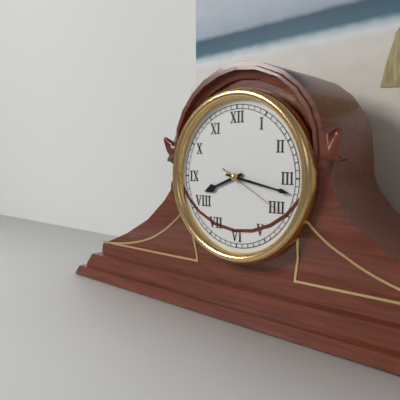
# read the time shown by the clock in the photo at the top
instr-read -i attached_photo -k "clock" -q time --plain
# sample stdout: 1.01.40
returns 8.17.20
